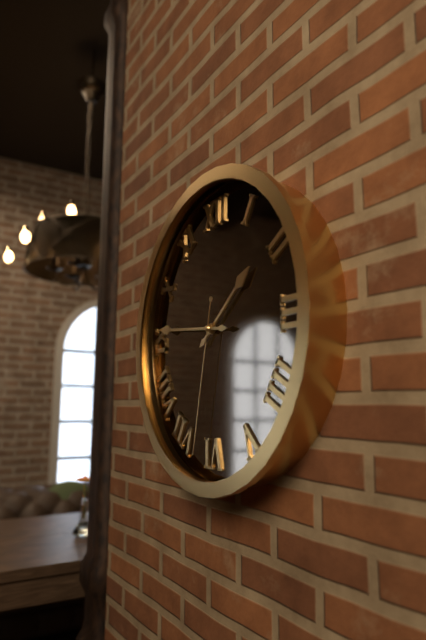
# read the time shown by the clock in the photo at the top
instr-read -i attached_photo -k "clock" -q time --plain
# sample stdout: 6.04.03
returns 1.46.32
